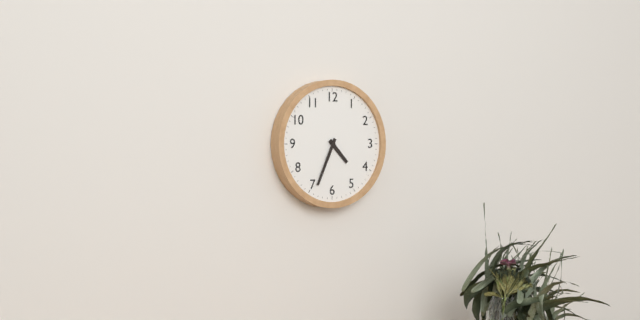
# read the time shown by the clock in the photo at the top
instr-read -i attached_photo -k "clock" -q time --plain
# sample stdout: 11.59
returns 4.34
